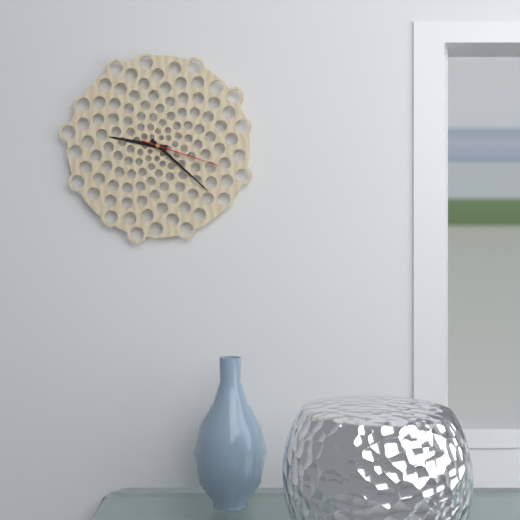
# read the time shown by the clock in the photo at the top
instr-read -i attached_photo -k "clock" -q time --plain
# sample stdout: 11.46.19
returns 9.22.18
